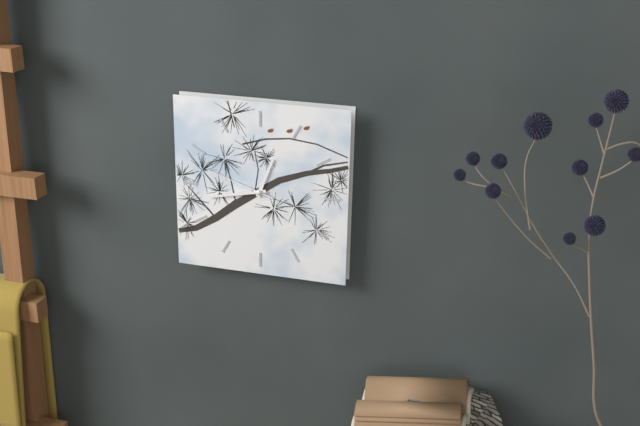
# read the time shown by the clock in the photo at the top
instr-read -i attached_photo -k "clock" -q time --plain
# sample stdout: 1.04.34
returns 12.43.48
